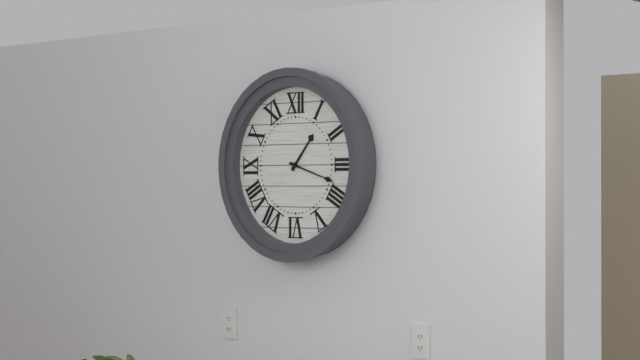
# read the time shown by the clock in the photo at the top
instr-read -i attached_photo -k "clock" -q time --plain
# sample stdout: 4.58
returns 1.18
